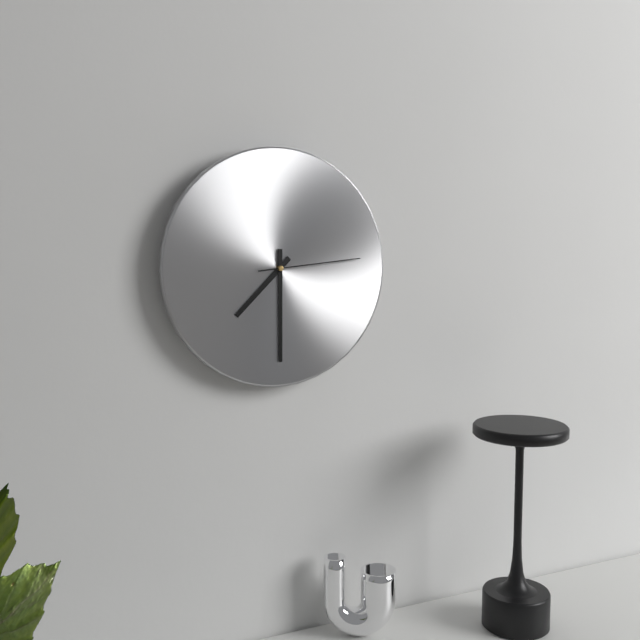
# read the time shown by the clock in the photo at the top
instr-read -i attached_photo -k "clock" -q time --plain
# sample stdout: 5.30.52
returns 7.30.14
